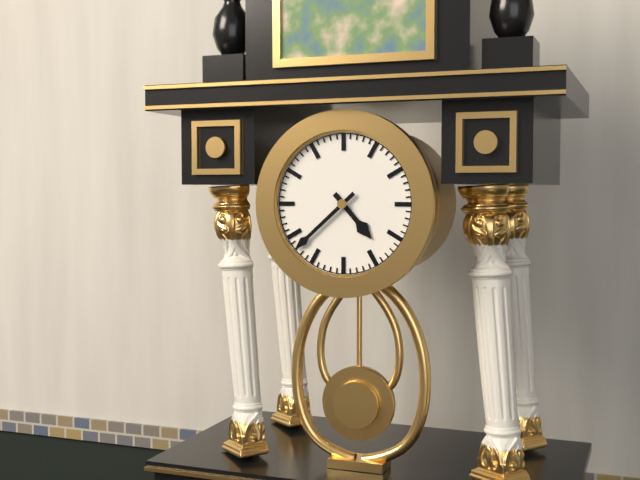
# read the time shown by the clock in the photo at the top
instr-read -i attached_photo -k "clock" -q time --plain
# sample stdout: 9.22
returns 4.38
